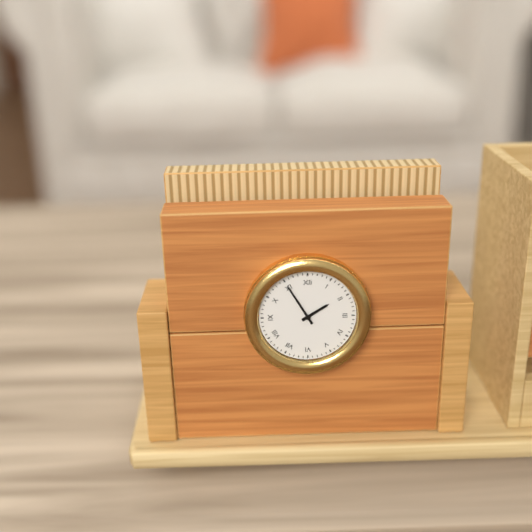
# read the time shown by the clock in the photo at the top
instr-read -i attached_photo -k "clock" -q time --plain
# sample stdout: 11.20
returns 1.55
